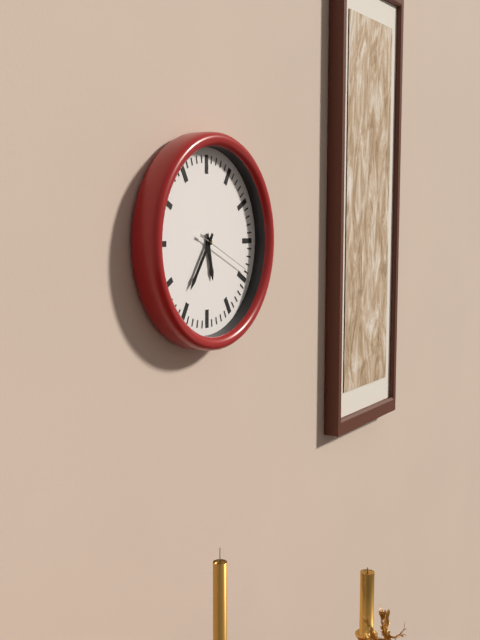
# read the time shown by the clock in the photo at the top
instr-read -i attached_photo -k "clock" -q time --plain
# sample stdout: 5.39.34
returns 5.36.19
